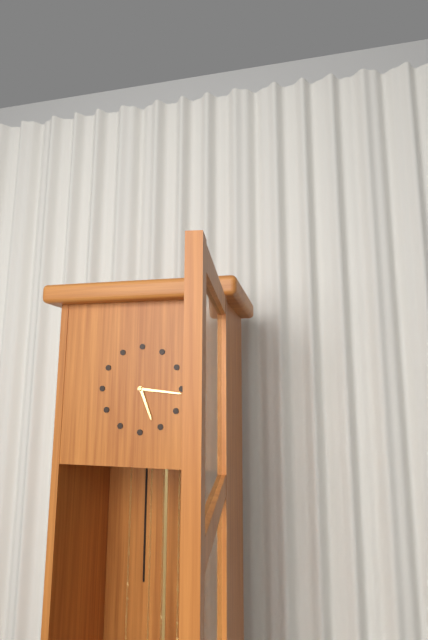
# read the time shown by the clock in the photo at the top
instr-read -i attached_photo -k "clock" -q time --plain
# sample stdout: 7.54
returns 5.16
